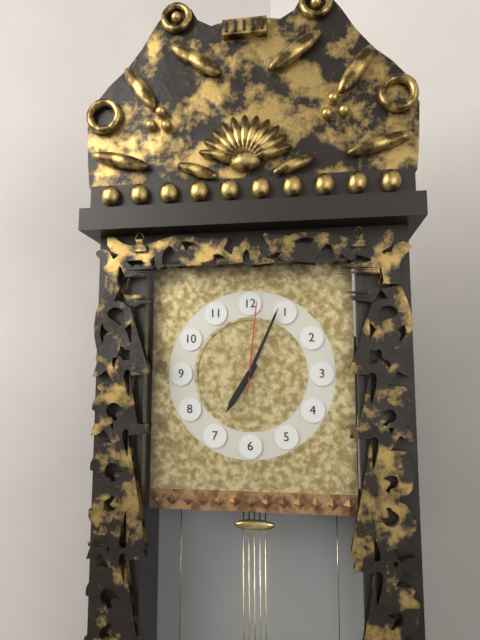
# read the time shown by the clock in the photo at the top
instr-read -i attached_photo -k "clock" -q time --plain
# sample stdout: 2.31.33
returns 7.04.01
